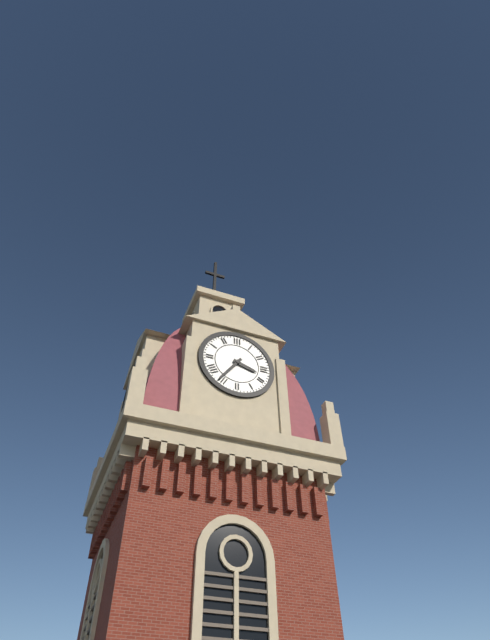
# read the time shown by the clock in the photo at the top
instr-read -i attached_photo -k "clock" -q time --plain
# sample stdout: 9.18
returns 3.36
